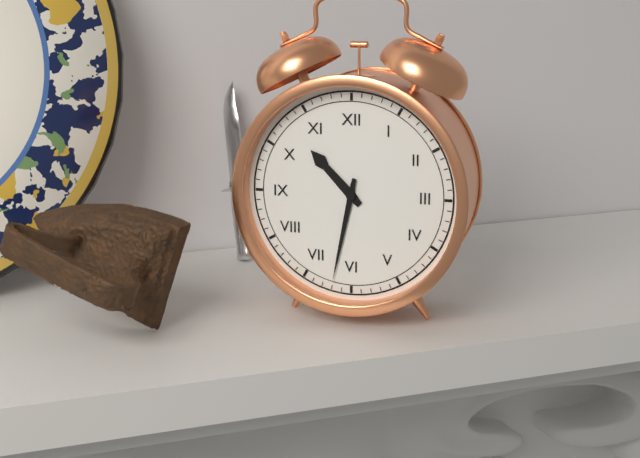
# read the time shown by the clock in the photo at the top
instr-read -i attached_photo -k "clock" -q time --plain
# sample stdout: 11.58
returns 10.32
